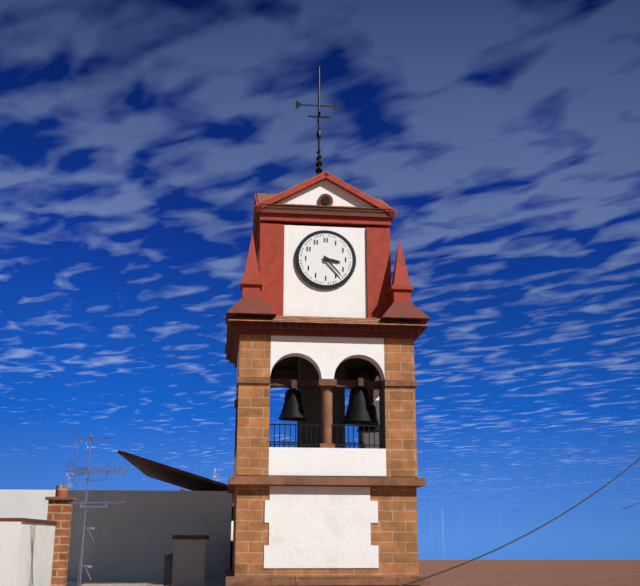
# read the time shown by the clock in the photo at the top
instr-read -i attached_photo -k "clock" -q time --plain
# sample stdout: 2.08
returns 3.23
